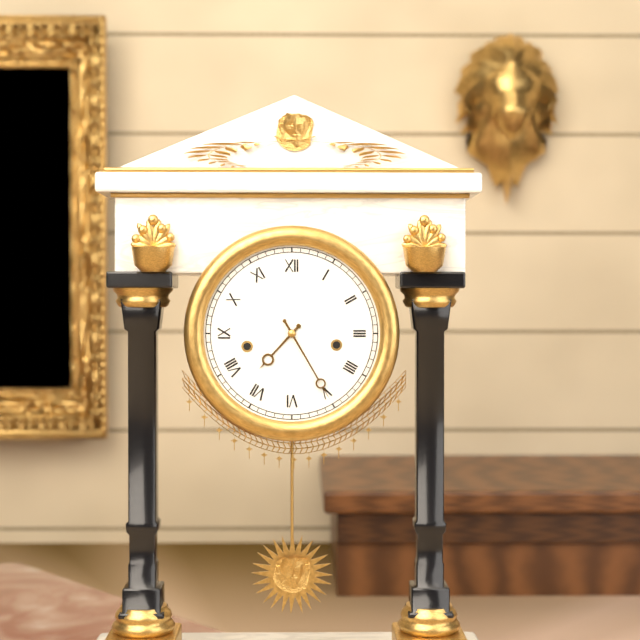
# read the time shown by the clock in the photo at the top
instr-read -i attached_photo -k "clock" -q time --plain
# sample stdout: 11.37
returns 7.25
